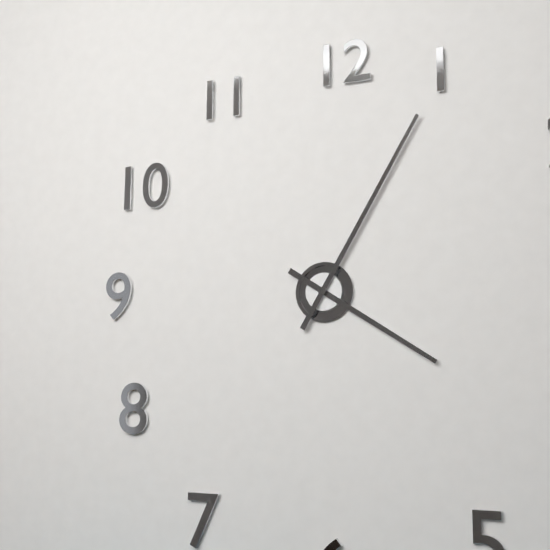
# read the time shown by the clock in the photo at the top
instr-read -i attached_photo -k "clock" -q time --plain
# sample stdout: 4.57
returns 4.05
